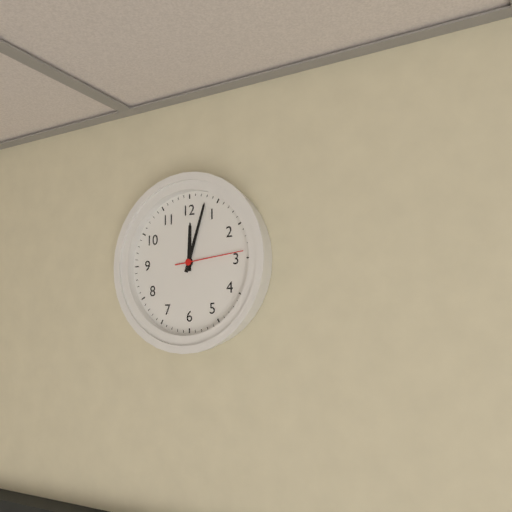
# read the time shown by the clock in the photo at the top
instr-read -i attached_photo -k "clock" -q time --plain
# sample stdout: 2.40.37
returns 12.03.14
